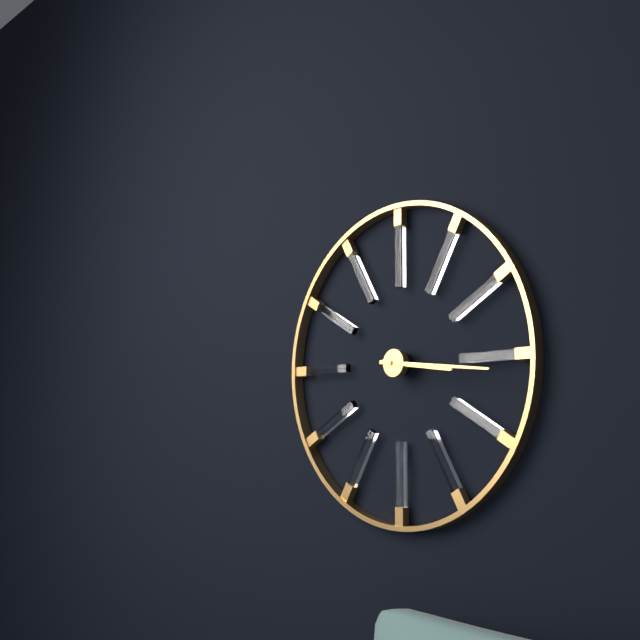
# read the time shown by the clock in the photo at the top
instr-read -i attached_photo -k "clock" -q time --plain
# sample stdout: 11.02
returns 3.16
